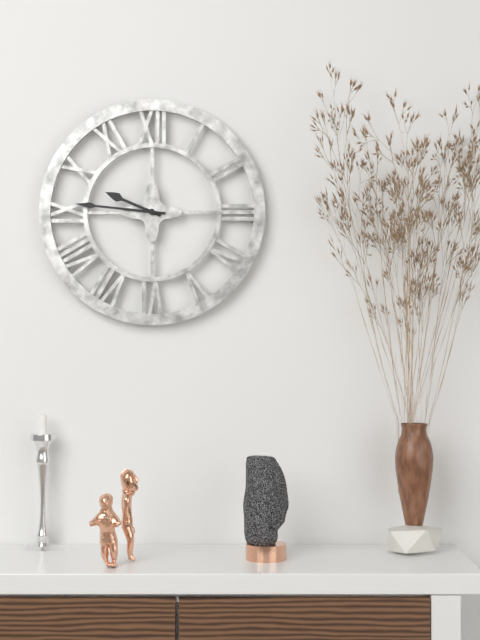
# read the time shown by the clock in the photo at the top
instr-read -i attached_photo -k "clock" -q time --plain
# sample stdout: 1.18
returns 9.46
